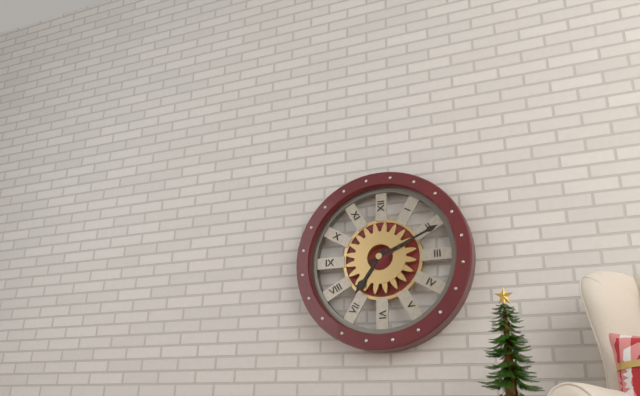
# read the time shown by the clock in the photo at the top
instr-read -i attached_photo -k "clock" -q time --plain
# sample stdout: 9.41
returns 7.11
